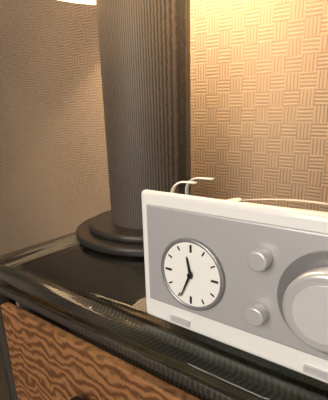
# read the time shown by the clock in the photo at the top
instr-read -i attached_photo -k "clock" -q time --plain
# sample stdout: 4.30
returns 11.34
